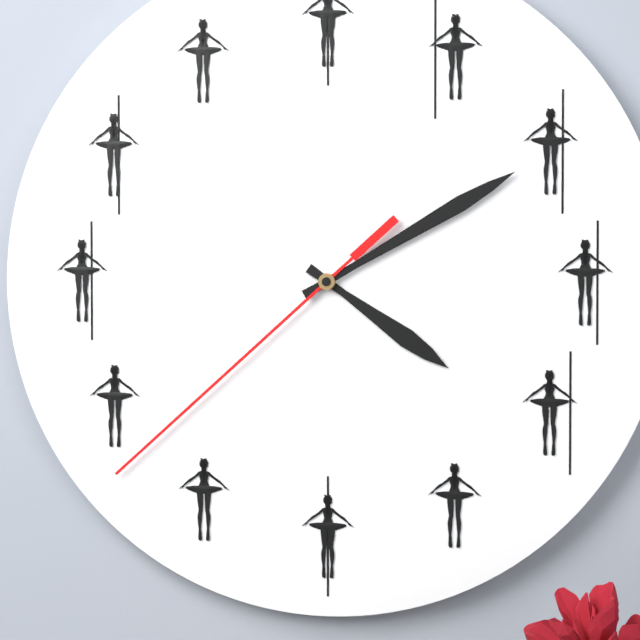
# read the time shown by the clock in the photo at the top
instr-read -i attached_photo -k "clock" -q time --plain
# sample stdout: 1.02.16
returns 4.10.38
